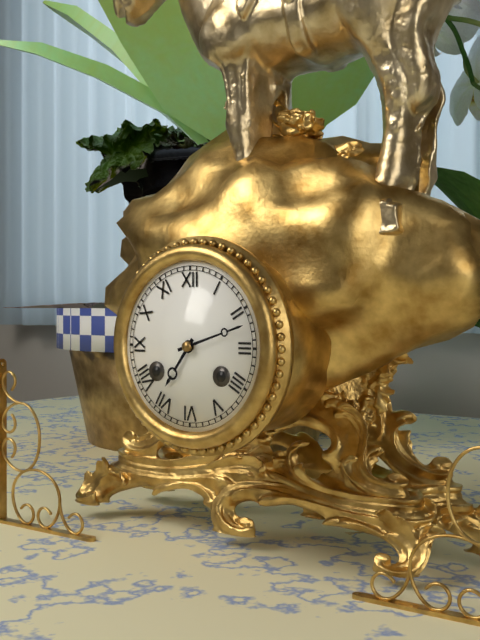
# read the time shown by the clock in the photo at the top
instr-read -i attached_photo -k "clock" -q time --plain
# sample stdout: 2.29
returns 7.12
